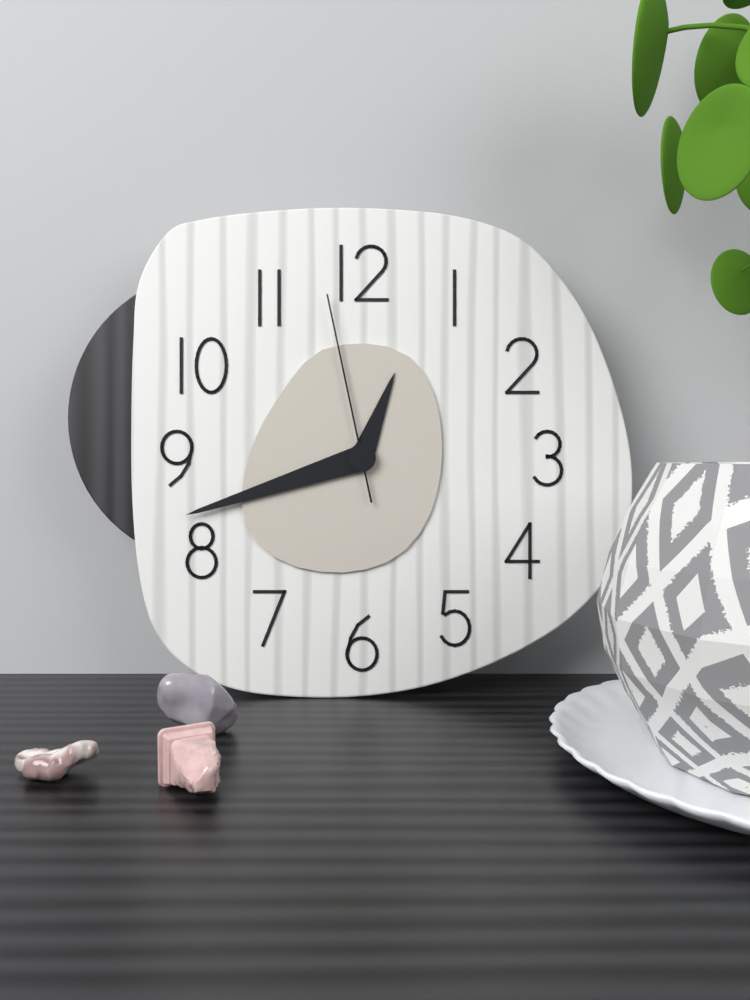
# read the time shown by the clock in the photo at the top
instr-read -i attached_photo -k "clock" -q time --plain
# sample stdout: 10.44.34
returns 12.42.58
